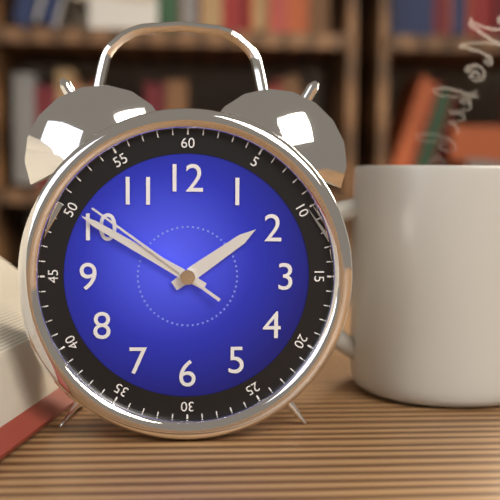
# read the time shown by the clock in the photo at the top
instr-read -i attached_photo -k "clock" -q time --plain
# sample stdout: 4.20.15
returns 1.50.51
